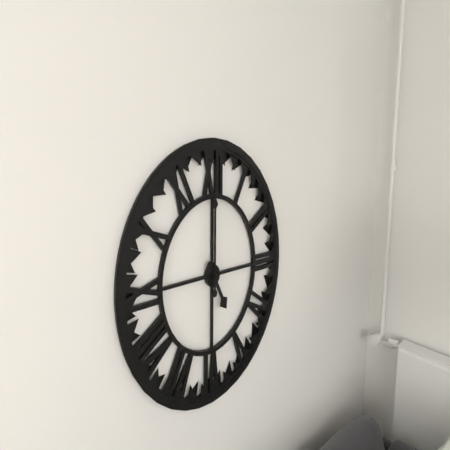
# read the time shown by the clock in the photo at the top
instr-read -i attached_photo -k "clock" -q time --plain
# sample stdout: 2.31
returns 5.00
